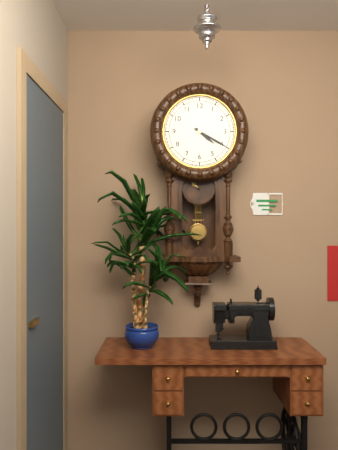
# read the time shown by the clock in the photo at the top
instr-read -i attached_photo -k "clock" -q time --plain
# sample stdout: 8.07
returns 4.20
